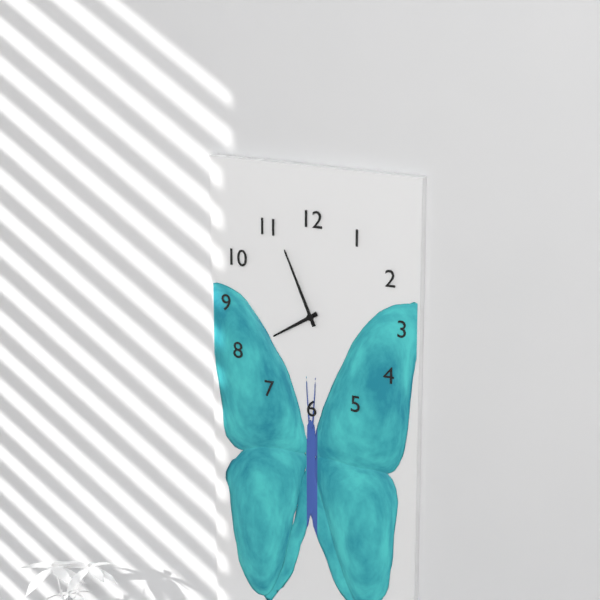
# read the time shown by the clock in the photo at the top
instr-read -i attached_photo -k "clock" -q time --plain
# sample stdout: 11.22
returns 7.56
